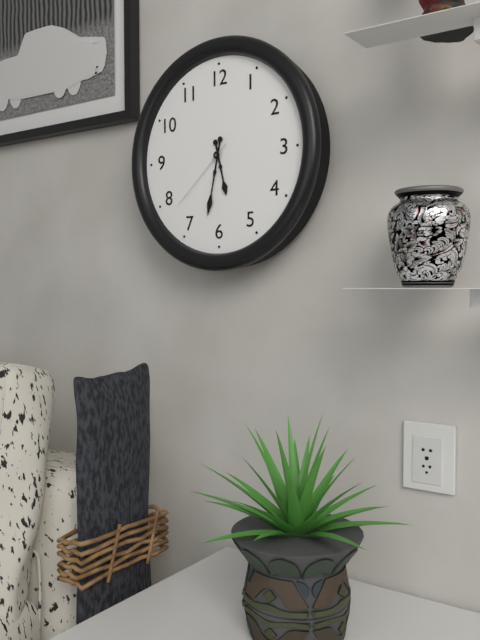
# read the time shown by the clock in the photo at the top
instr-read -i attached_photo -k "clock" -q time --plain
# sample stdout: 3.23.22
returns 5.32.38
